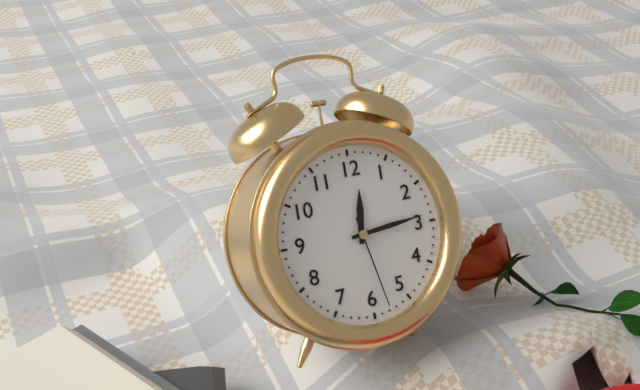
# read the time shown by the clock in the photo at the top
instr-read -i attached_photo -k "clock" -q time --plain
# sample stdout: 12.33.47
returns 12.14.28
